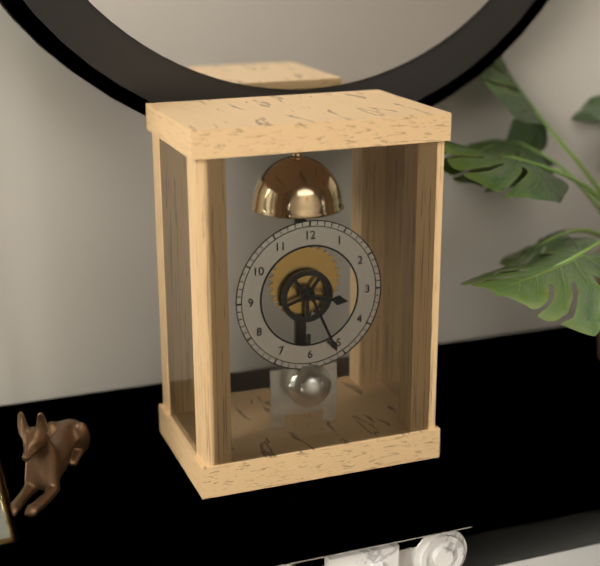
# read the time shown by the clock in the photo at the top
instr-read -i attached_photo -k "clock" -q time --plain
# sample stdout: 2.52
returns 3.26
